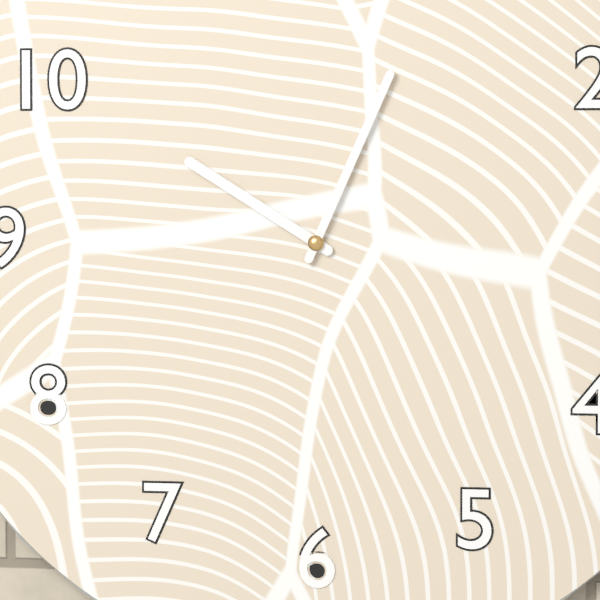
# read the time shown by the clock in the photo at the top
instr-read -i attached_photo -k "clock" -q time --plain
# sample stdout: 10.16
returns 10.04
